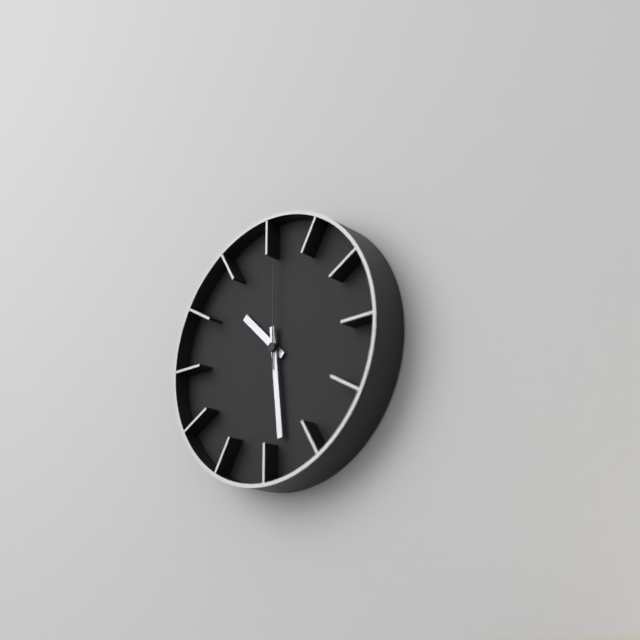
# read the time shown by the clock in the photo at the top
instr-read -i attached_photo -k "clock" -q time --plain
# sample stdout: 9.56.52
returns 10.29.00
